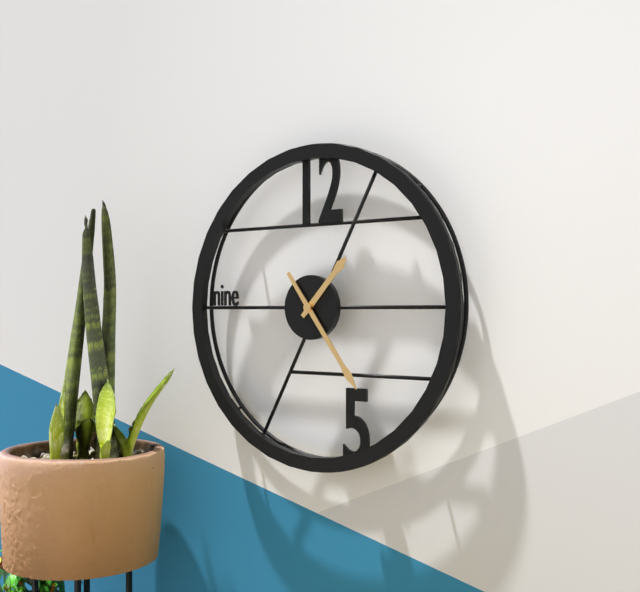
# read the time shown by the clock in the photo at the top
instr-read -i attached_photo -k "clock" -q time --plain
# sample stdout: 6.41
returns 1.24
